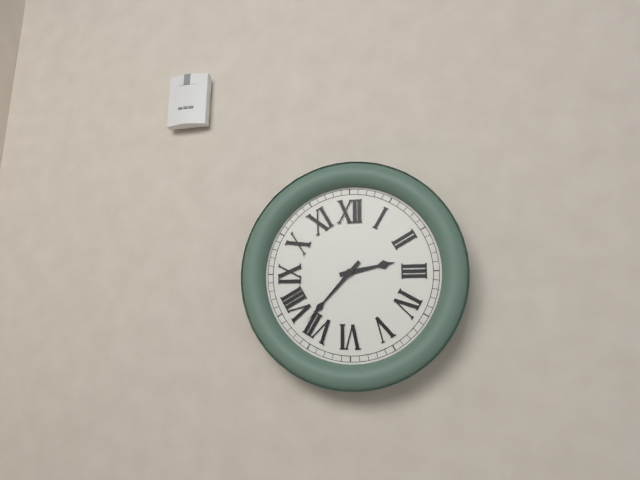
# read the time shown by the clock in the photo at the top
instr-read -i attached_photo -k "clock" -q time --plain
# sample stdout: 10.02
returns 2.37
